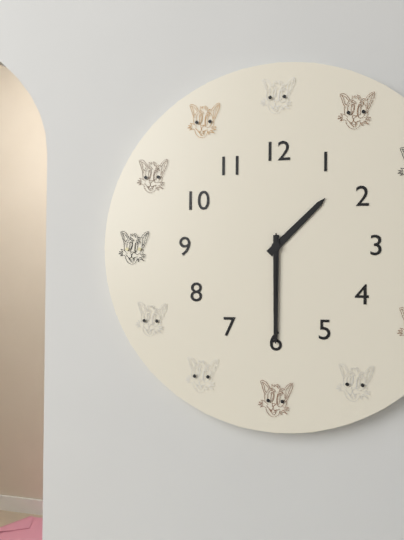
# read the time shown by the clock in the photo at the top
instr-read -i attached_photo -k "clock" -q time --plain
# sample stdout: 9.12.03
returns 1.30.30
